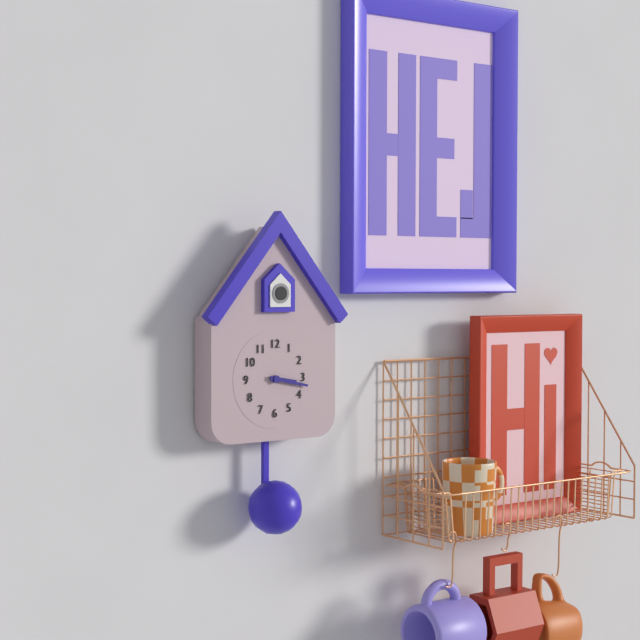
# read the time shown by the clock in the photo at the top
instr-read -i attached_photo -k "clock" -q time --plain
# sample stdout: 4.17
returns 3.17
